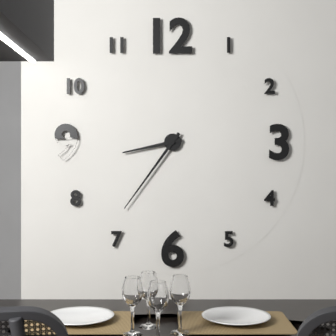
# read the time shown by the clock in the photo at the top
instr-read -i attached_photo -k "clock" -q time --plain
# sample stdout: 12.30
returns 8.36
